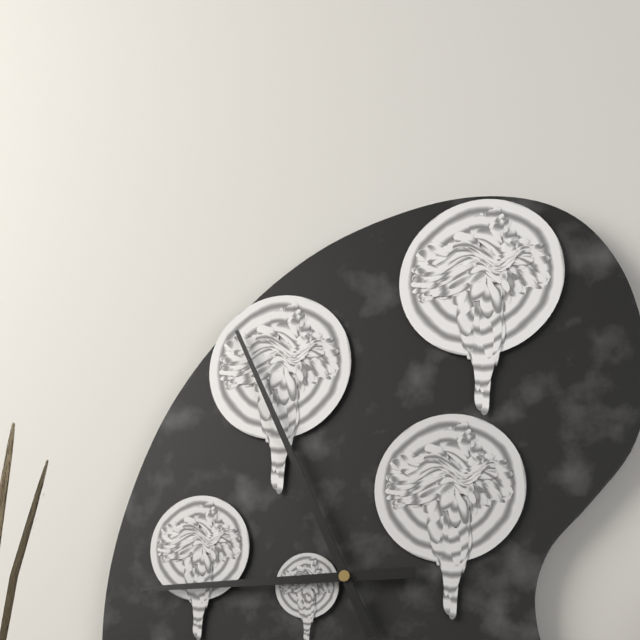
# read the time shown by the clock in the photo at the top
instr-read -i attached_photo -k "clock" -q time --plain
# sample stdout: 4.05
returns 8.56
